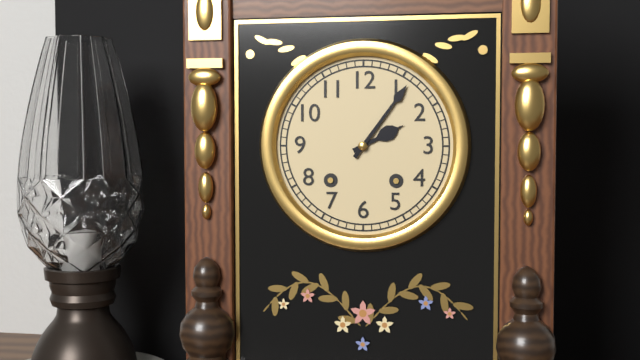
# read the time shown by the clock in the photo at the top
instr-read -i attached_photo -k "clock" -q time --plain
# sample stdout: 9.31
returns 2.06
